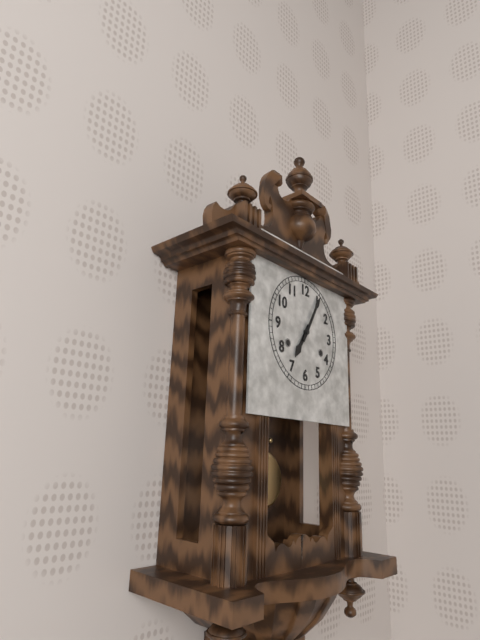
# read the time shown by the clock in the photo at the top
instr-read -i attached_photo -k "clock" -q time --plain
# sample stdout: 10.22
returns 7.05
